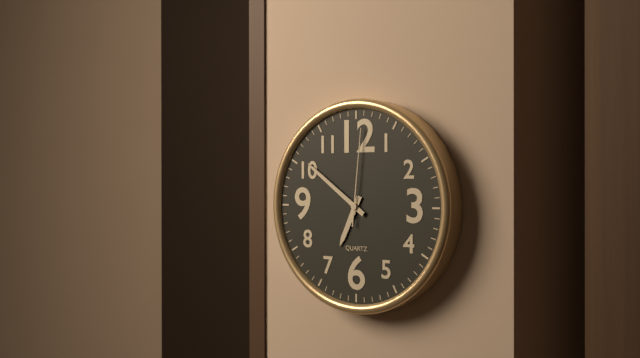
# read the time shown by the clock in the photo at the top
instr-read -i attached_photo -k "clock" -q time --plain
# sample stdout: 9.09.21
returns 6.51.01
